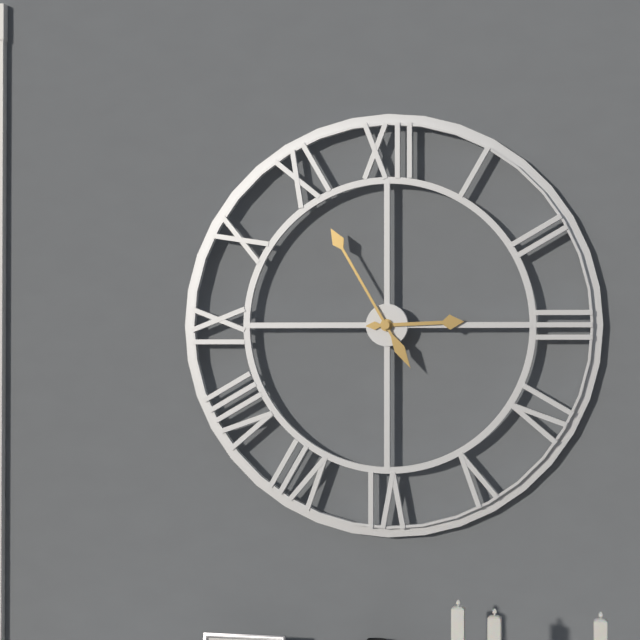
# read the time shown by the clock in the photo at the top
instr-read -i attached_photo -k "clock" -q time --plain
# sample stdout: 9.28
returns 2.55
